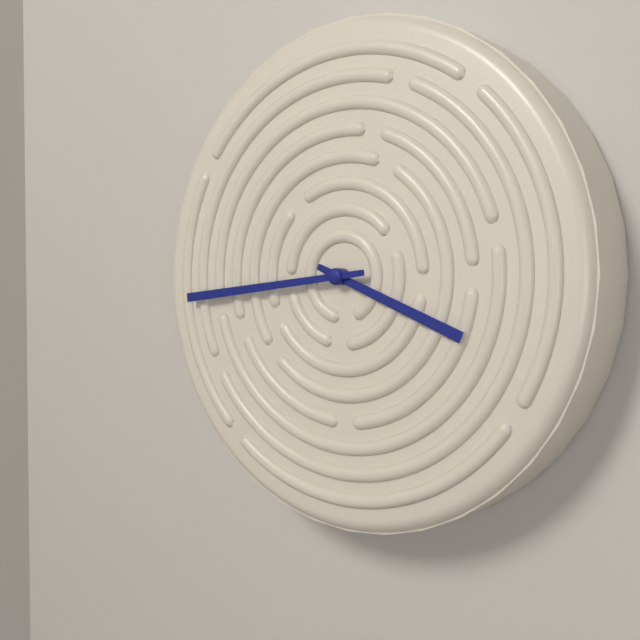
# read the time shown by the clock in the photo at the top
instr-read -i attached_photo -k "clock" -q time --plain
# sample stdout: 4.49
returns 3.44
